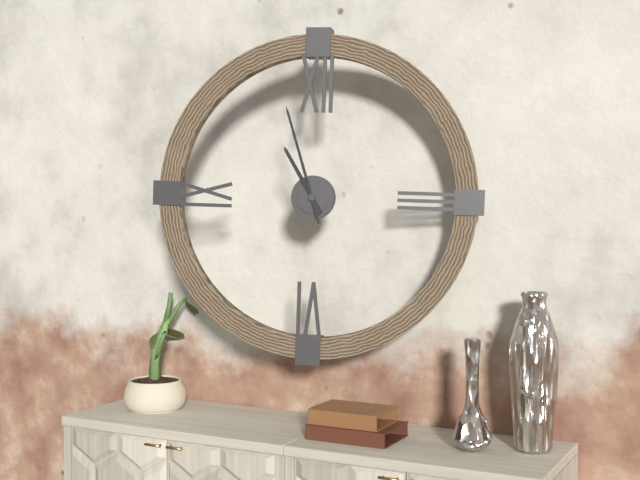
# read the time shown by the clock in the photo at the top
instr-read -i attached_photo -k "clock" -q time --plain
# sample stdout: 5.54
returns 10.57
